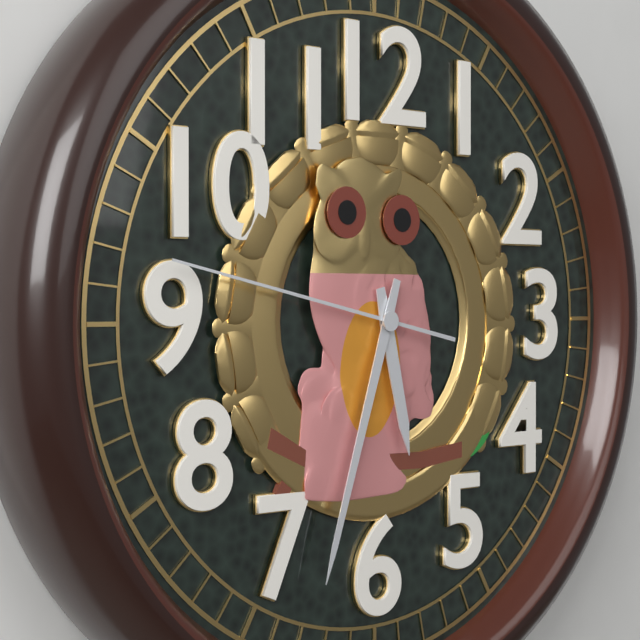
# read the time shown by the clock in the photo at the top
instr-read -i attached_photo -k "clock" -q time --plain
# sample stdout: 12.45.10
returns 5.33.47
